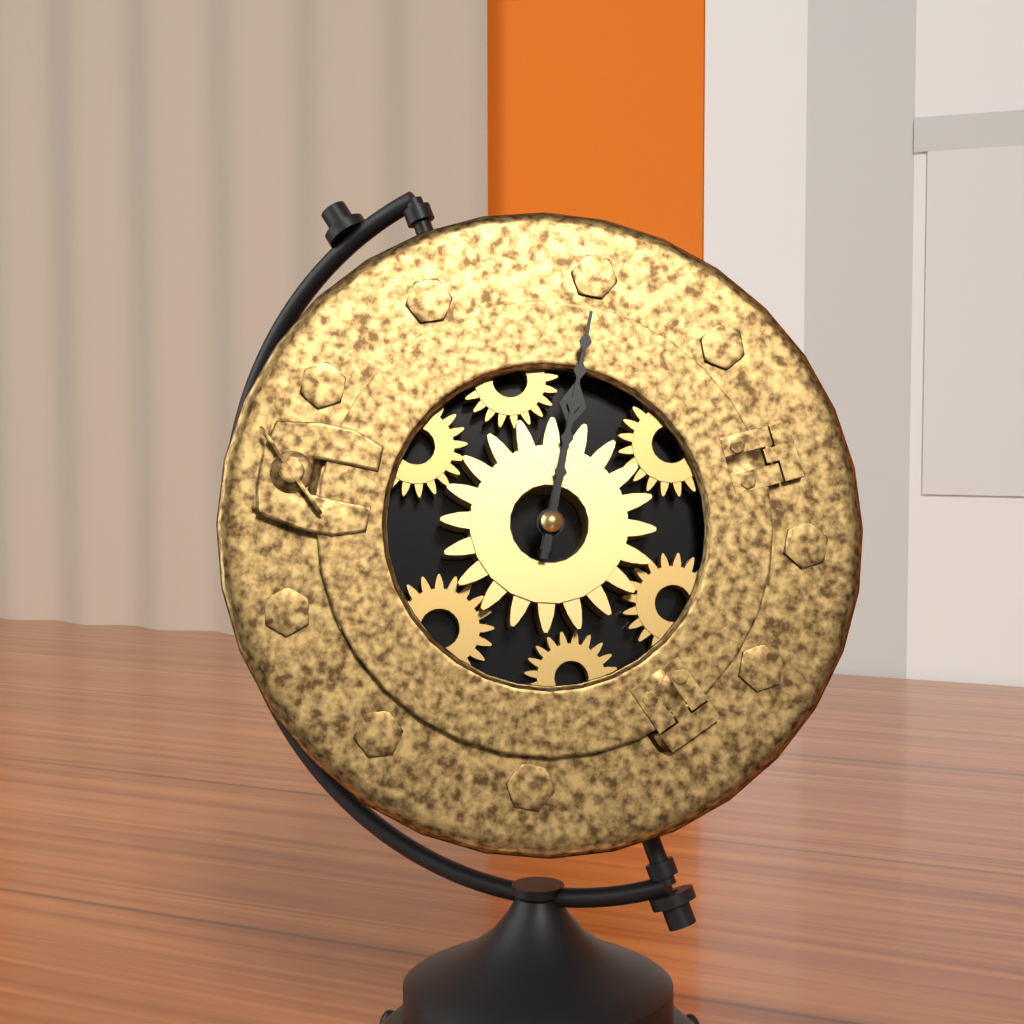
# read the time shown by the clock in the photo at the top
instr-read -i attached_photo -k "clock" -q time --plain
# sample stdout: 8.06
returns 12.00
